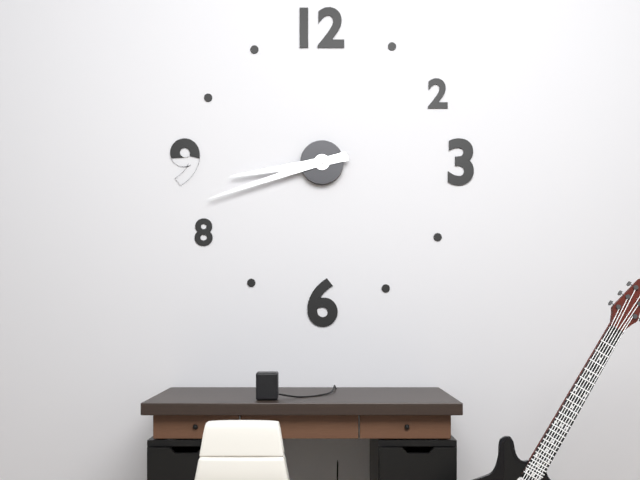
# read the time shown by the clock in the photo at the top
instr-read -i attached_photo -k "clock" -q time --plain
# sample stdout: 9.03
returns 8.42
